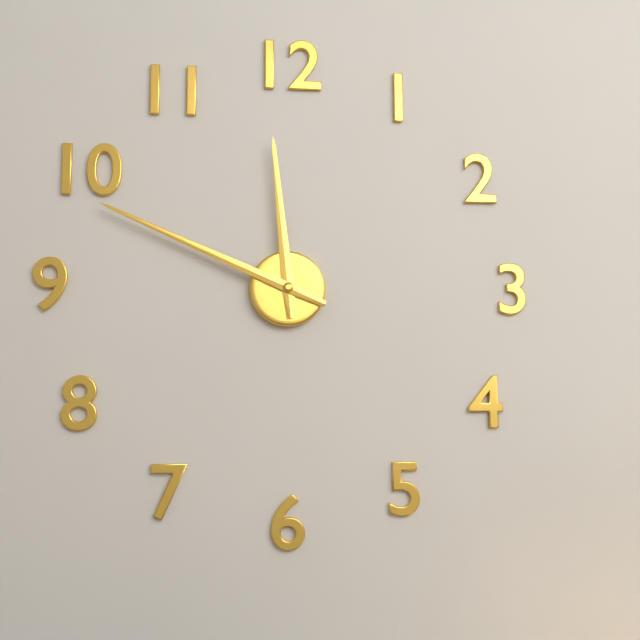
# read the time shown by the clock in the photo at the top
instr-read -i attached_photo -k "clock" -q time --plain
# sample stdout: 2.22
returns 11.49
